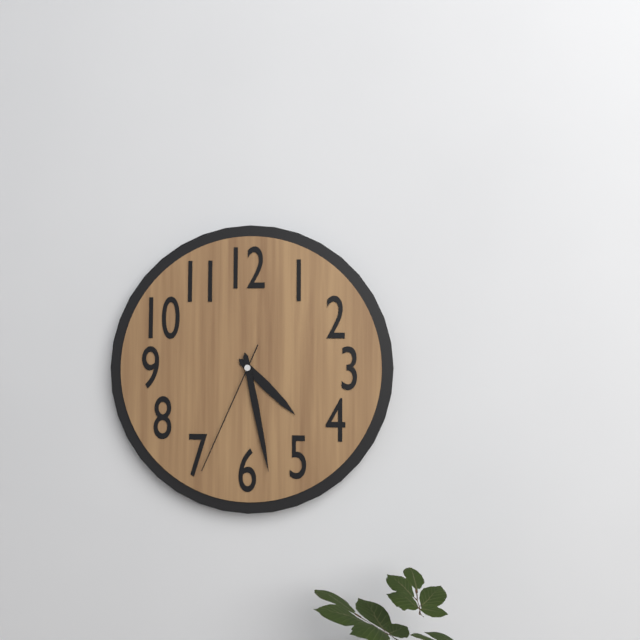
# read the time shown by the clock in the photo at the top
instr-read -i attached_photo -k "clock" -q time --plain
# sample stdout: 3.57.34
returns 4.28.34
